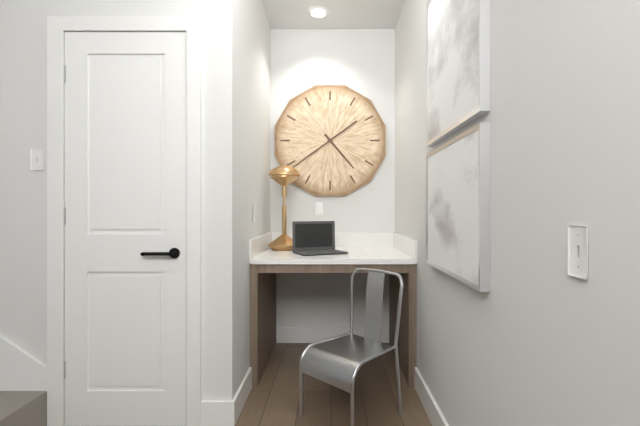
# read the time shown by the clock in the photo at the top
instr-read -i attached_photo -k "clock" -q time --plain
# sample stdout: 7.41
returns 4.39
